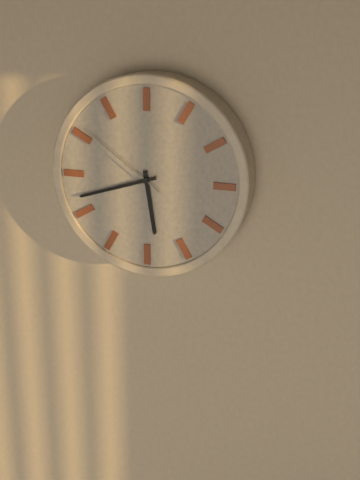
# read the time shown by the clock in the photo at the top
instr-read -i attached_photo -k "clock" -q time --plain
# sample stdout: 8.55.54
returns 5.42.51
